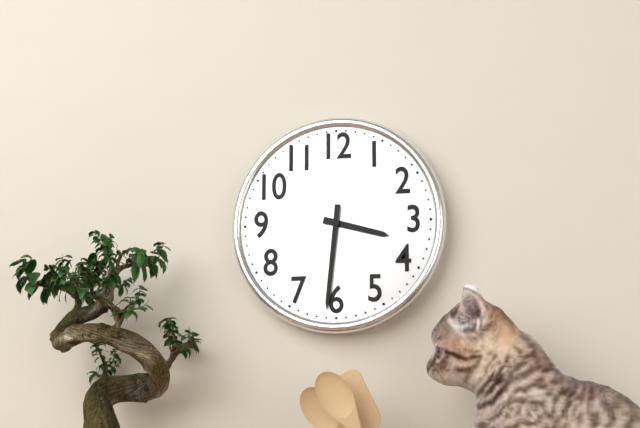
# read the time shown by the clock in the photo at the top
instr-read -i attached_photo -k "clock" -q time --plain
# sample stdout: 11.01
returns 3.31
